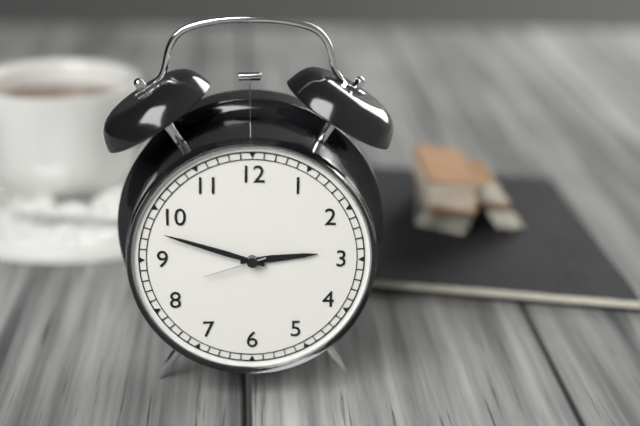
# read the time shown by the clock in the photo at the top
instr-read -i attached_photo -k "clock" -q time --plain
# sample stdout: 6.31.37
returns 2.48.42
